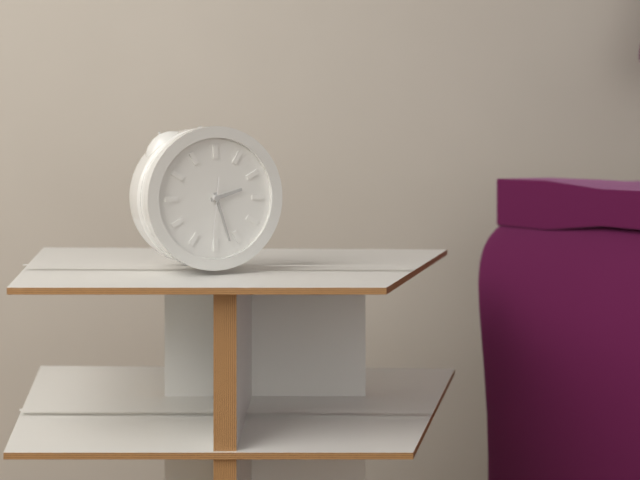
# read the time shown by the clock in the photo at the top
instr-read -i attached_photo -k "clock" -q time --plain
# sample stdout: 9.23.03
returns 2.27.31
